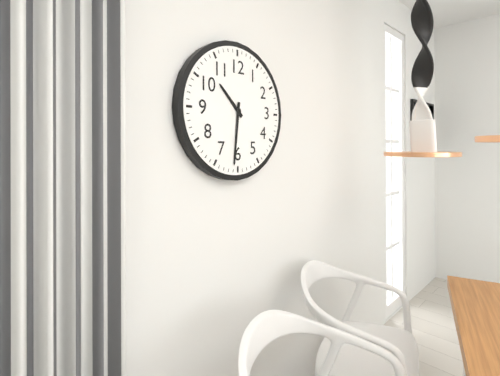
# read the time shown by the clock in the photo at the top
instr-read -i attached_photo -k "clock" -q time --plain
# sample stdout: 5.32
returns 10.31
